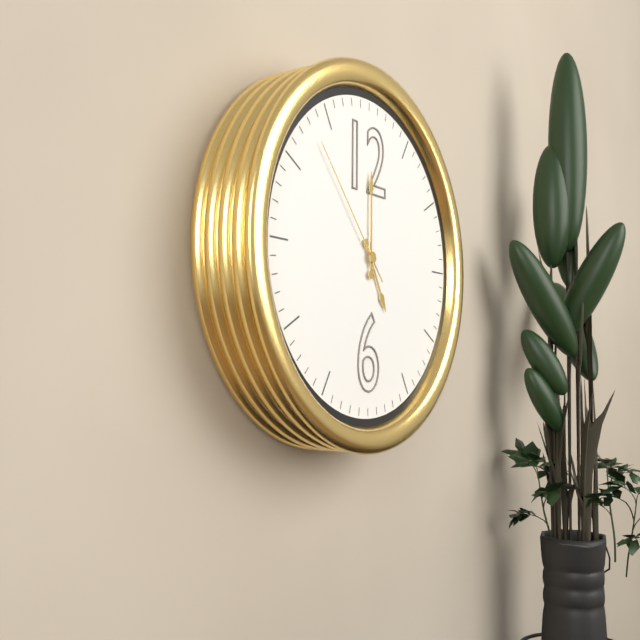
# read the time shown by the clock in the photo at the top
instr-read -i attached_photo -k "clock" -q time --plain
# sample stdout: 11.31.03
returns 5.00.53
